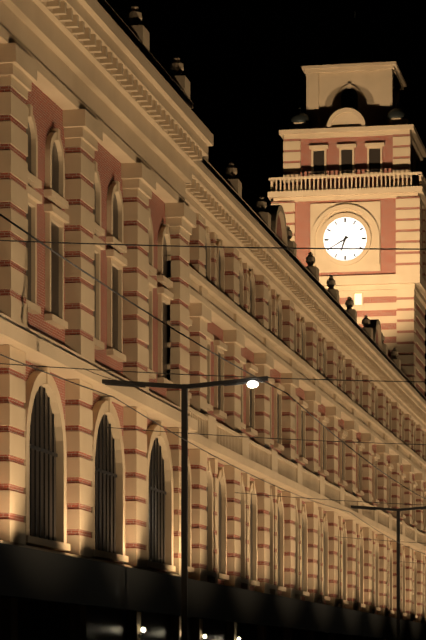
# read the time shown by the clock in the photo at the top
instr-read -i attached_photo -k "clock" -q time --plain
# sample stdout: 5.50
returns 6.40
